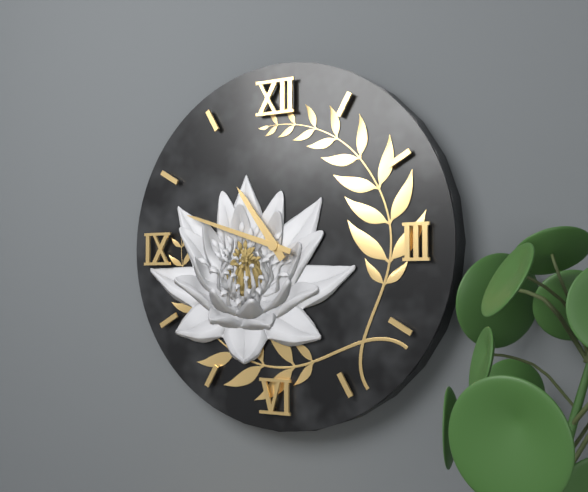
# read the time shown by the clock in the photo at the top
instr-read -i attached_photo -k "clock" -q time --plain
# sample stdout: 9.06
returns 10.48
